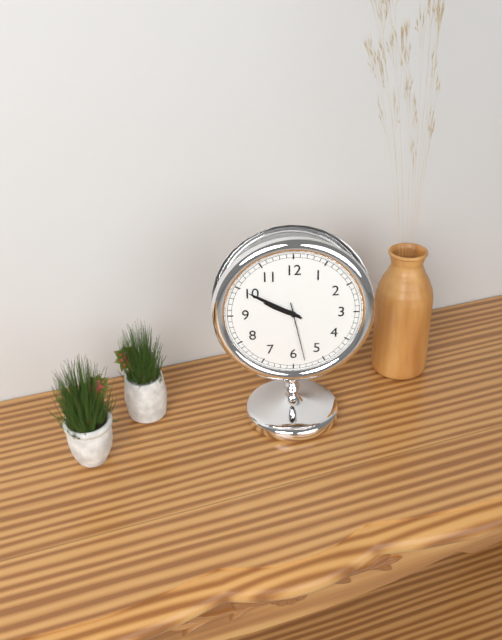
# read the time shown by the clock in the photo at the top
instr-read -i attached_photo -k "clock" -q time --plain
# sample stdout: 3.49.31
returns 9.50.28
